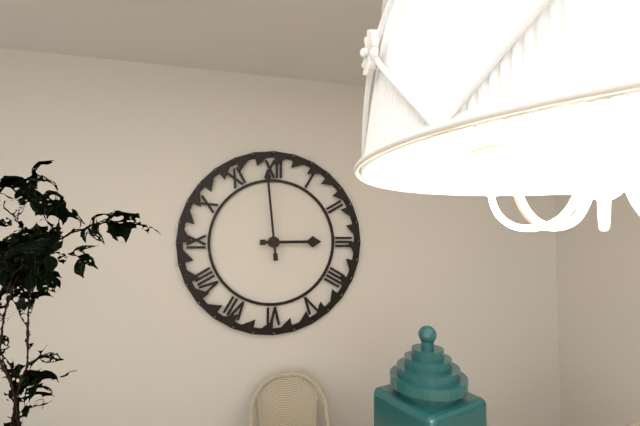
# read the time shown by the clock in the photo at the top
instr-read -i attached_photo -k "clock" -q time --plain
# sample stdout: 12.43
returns 2.59
